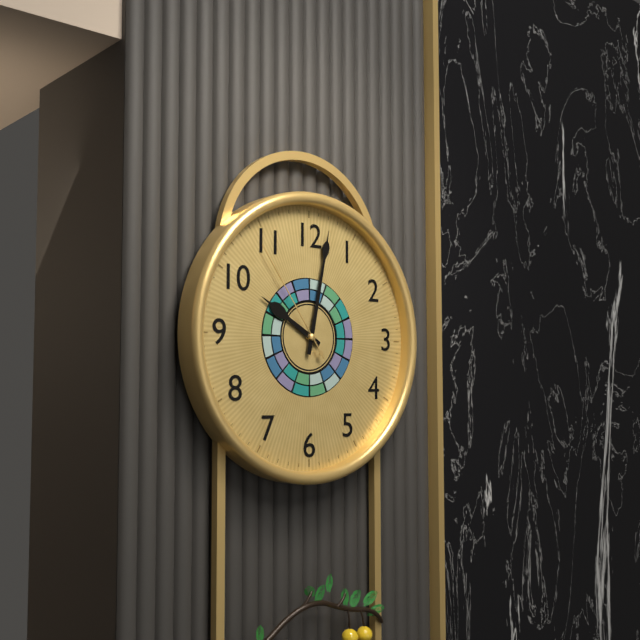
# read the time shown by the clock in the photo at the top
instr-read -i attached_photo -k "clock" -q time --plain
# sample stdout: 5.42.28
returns 10.02.54
